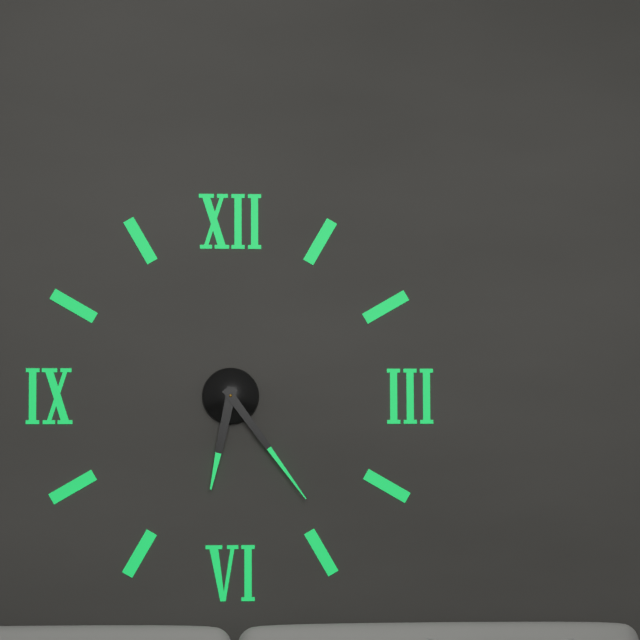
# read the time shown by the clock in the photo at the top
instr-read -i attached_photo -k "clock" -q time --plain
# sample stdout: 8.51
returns 6.24
